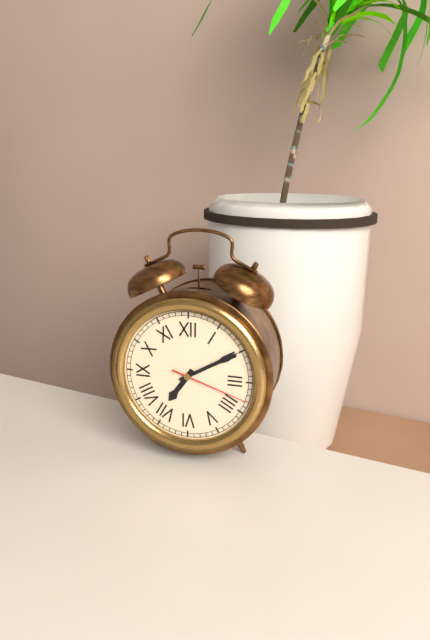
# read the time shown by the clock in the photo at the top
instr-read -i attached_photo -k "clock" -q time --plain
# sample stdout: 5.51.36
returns 7.10.18
